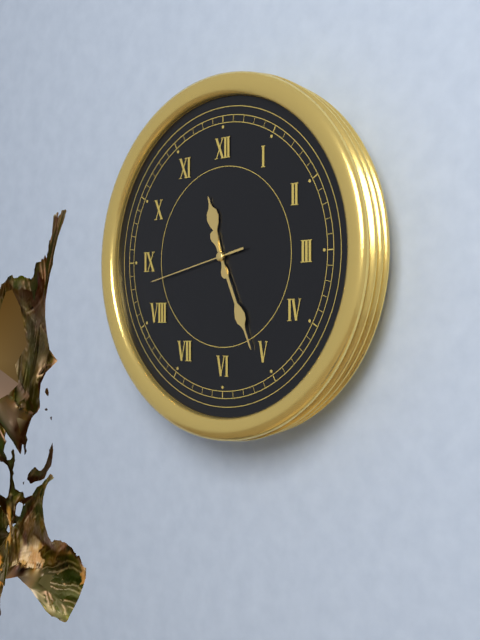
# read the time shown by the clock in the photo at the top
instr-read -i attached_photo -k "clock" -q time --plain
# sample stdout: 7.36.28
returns 11.26.43
